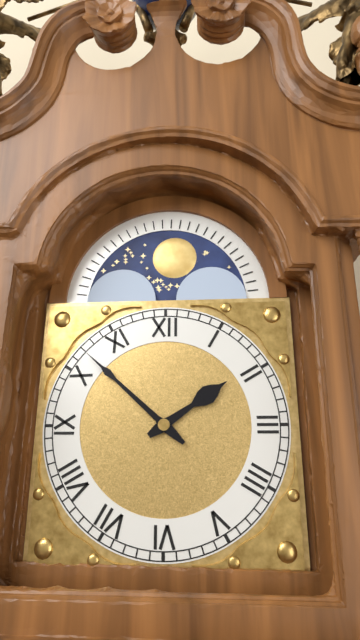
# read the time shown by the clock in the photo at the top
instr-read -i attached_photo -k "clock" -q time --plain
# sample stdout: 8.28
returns 1.52
